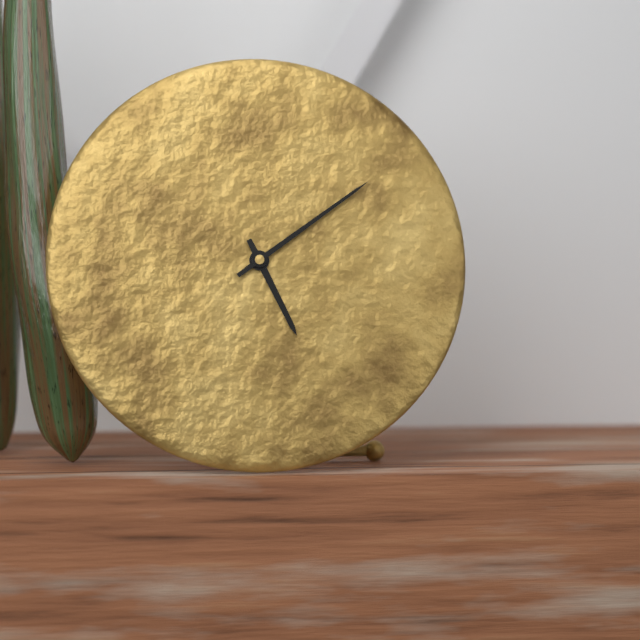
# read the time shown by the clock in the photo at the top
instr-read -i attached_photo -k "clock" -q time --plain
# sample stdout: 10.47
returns 5.09
